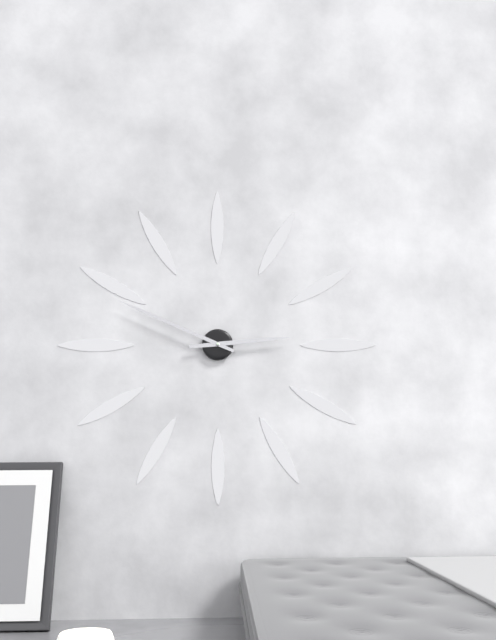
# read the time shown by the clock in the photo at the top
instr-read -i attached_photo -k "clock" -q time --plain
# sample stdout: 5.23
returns 2.49
